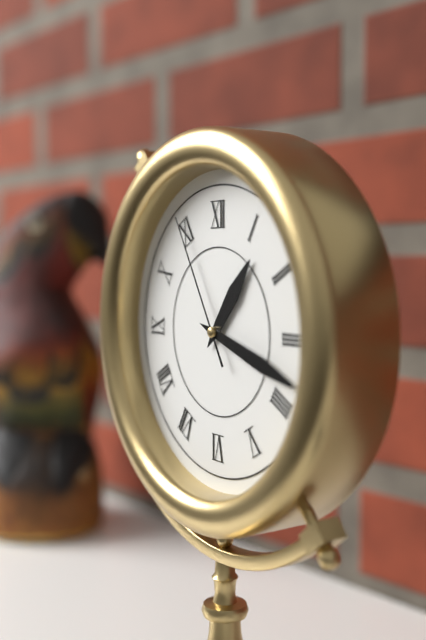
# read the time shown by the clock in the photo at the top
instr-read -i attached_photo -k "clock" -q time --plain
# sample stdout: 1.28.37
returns 1.18.55
